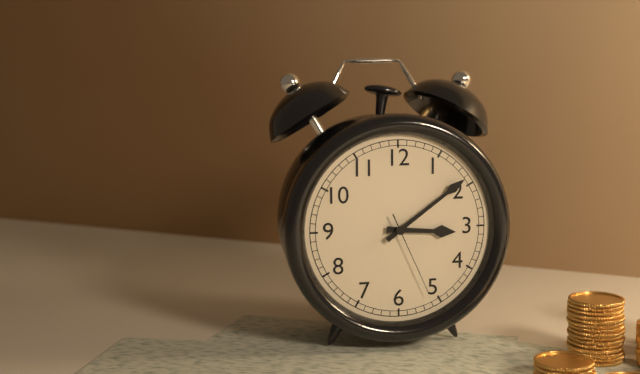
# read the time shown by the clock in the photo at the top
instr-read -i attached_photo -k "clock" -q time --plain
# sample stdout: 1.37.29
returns 3.09.26
